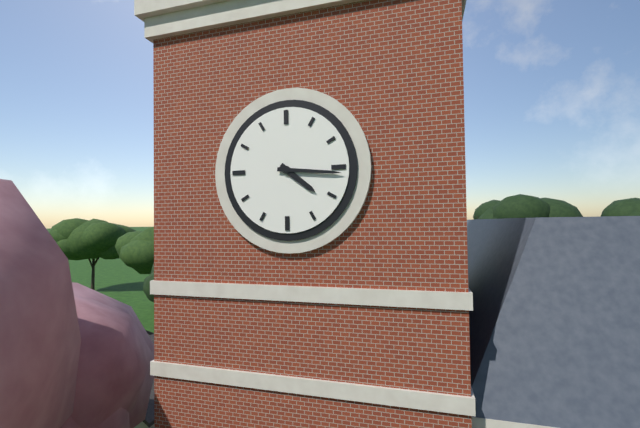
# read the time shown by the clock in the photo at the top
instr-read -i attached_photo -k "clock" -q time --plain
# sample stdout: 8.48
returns 4.16
